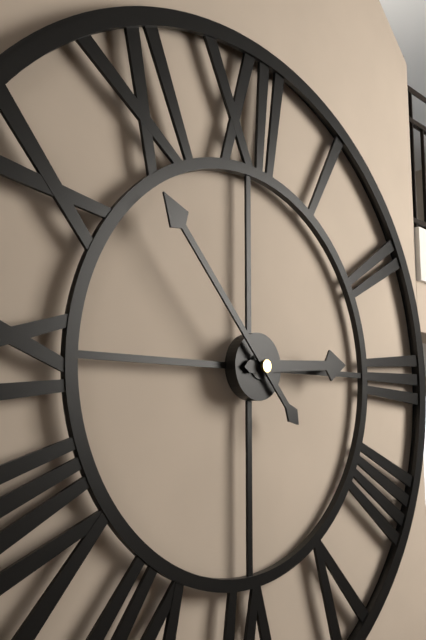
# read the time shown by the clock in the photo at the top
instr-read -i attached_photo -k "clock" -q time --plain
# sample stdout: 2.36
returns 2.53
